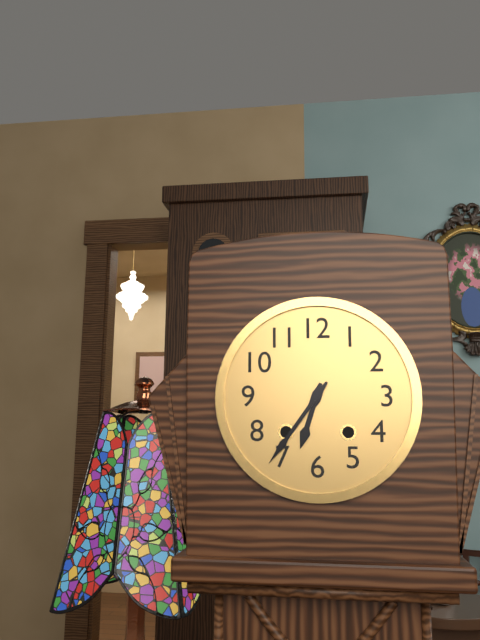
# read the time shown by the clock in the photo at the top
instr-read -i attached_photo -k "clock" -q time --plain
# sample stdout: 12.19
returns 6.36
